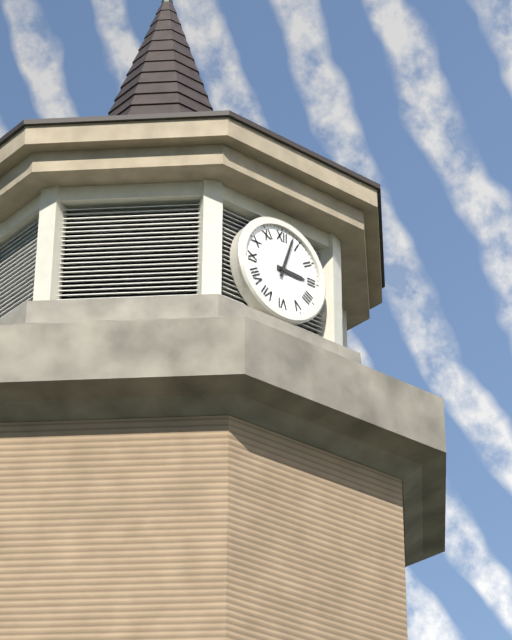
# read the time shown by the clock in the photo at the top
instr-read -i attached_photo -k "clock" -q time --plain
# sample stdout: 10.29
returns 3.03
